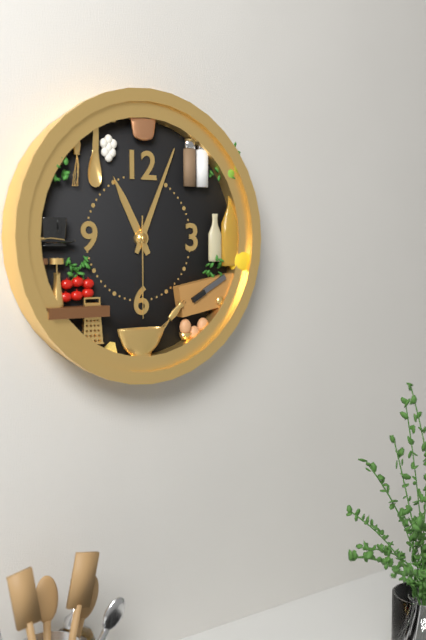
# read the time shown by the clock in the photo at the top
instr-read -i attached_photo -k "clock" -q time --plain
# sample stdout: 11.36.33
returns 11.04.30
